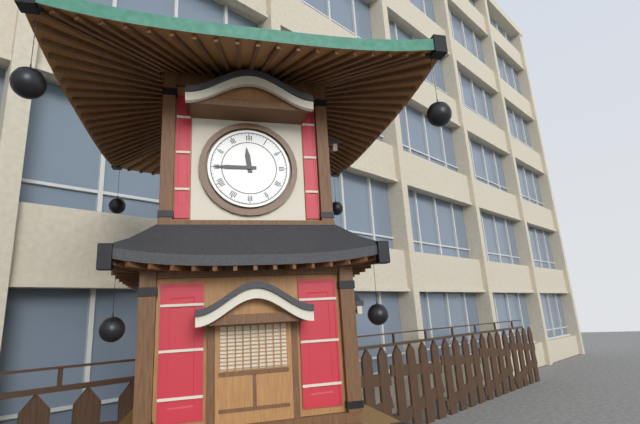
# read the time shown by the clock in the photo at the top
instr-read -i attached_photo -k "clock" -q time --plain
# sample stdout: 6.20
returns 11.45
